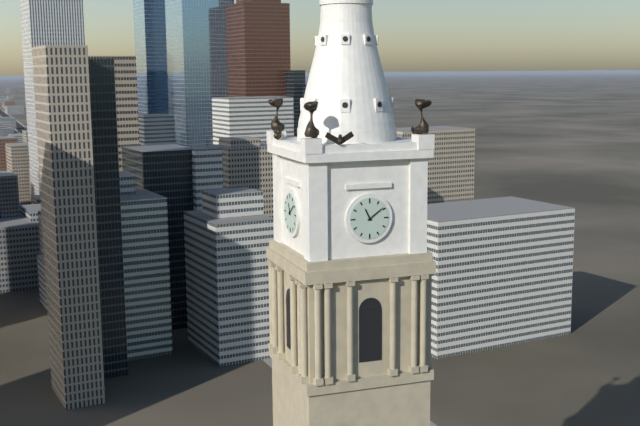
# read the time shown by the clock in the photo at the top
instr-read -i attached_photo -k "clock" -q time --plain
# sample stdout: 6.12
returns 11.09
